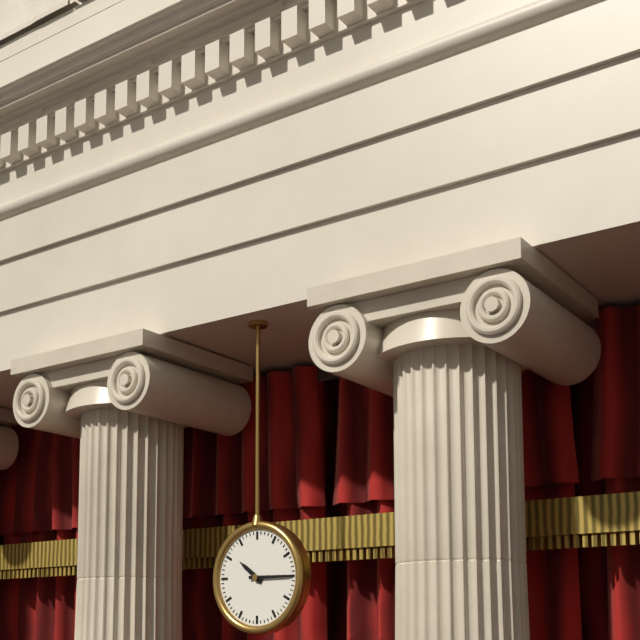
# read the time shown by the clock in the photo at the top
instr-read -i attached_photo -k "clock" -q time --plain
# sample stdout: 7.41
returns 10.15
